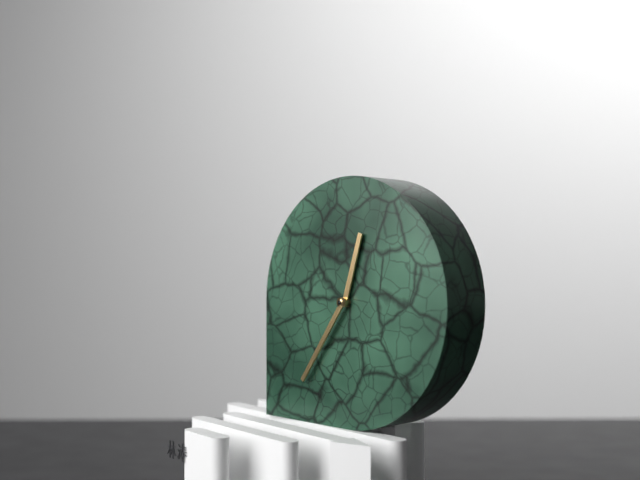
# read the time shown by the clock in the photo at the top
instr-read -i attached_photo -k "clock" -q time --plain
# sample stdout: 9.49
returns 12.36
